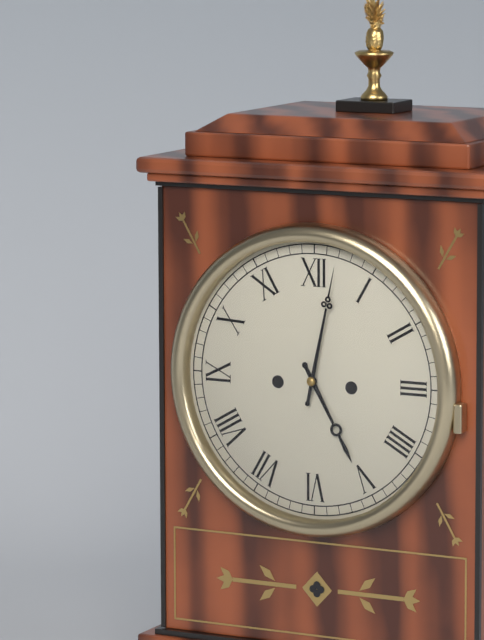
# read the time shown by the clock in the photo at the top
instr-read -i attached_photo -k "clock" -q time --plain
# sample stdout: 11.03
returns 5.02
